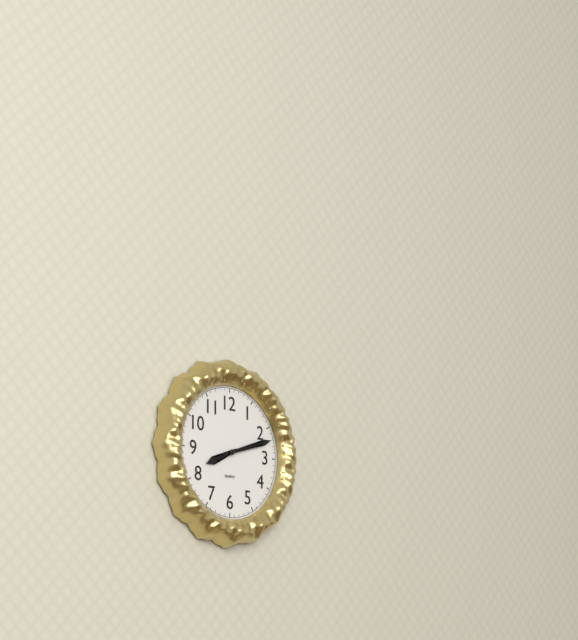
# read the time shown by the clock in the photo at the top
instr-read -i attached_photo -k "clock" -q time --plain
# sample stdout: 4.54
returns 8.12
